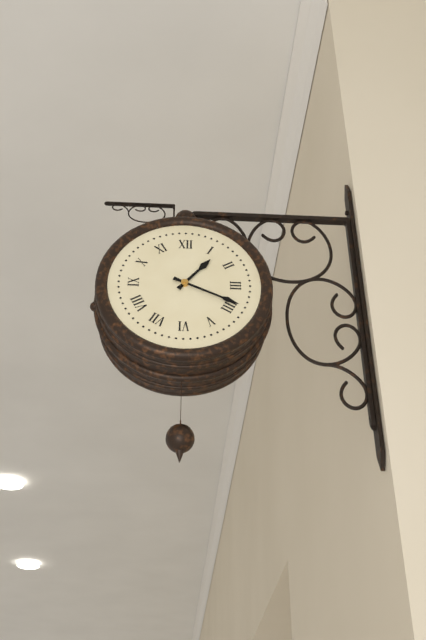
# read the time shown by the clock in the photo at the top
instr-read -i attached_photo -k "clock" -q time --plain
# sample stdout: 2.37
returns 1.19
